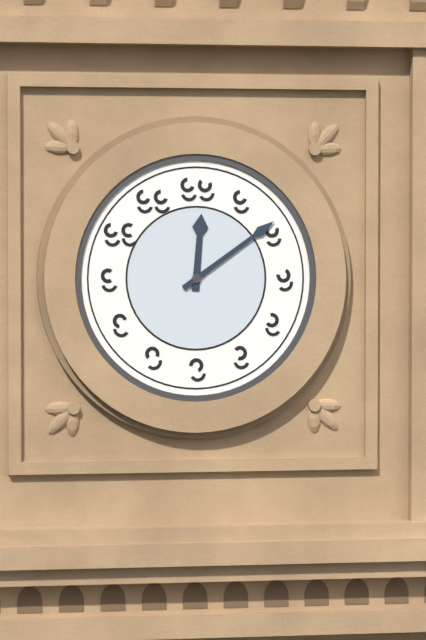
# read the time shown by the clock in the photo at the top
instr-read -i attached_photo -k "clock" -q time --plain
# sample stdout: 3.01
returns 12.09
